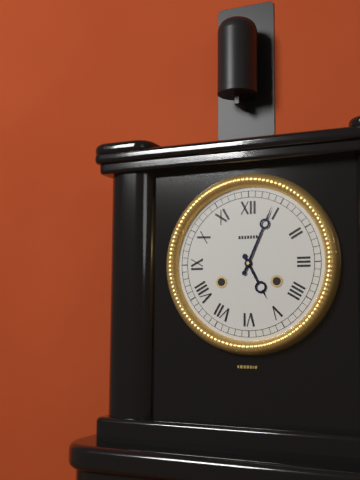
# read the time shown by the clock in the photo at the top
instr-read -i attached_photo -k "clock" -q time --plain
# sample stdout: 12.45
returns 5.04
